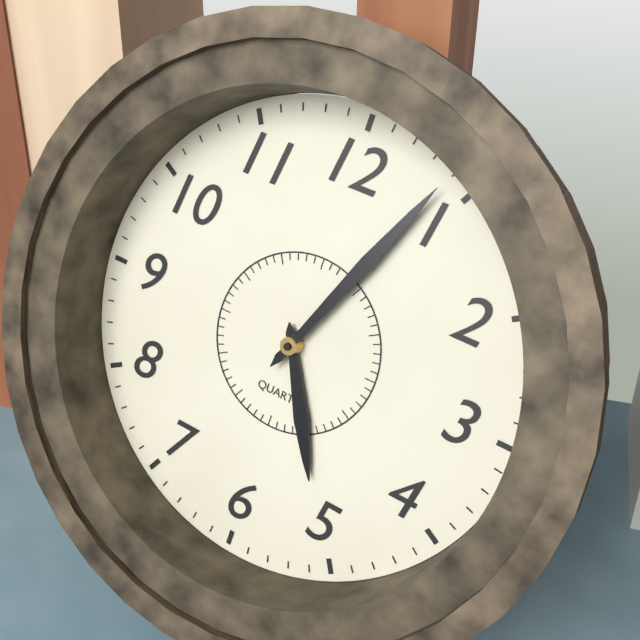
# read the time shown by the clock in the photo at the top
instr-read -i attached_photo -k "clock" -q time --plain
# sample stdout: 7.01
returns 5.04
